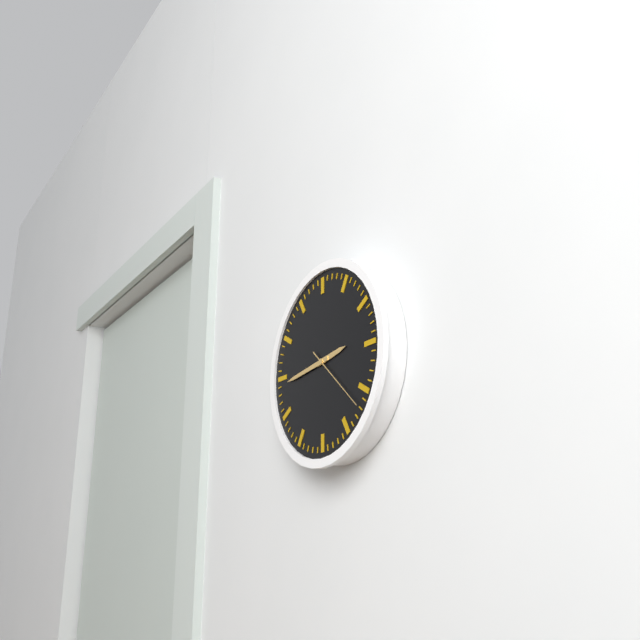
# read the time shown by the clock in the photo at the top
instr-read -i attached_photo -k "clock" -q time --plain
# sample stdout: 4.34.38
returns 2.44.22
